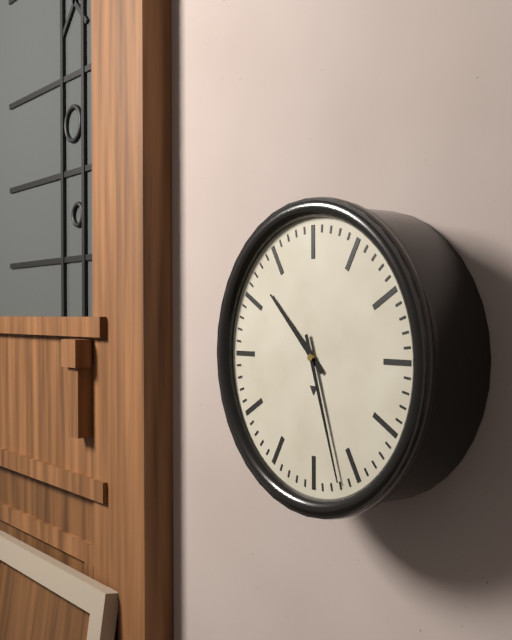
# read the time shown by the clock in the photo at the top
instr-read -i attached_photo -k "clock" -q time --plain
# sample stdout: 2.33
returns 10.27
